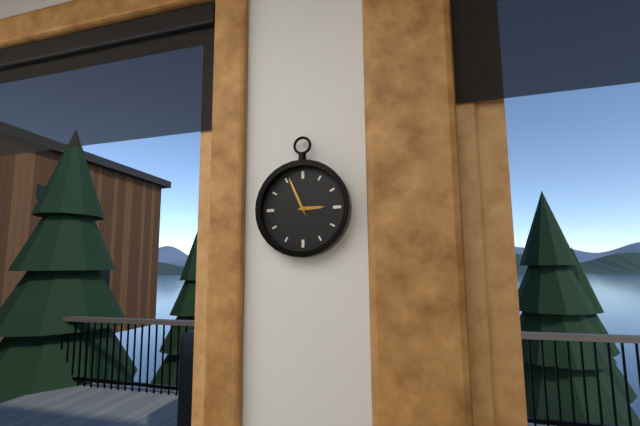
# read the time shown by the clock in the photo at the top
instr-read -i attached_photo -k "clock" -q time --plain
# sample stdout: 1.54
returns 2.56
